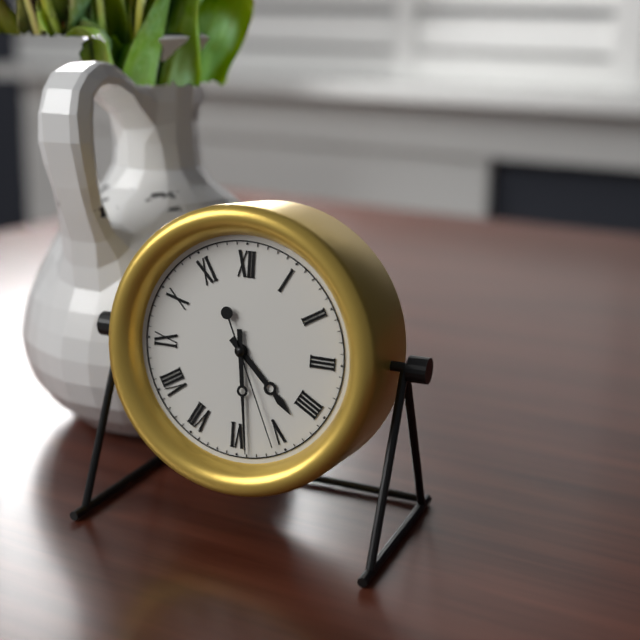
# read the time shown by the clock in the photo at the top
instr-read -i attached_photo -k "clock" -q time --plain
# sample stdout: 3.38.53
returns 4.29.26
